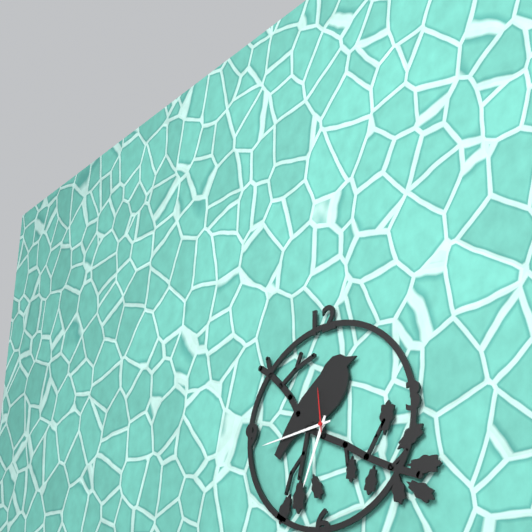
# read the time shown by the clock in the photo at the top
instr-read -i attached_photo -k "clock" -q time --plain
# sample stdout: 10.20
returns 6.44
